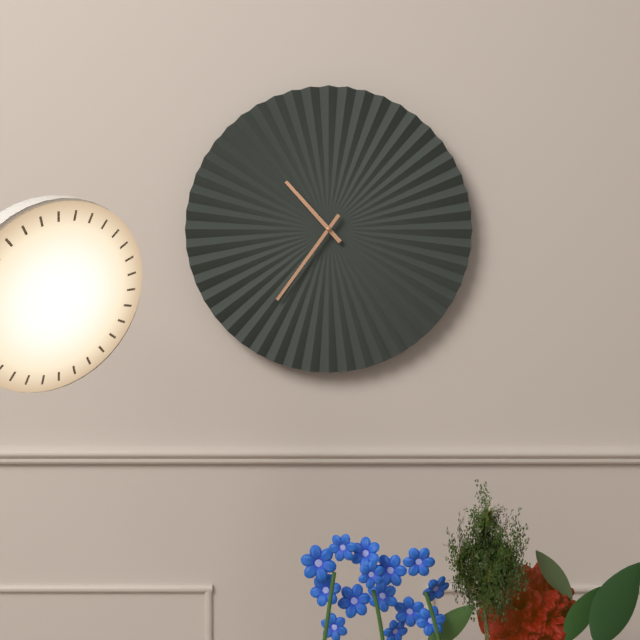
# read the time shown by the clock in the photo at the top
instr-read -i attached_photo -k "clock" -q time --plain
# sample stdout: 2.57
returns 10.36
